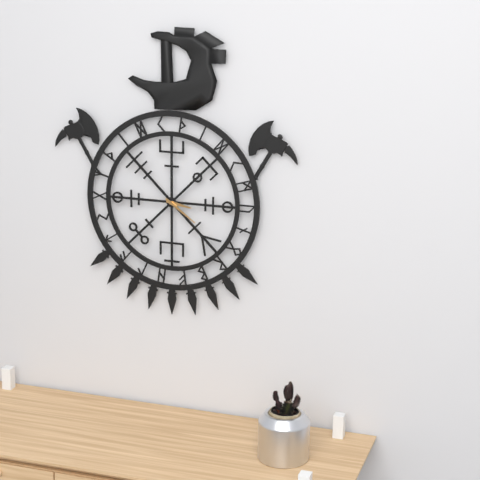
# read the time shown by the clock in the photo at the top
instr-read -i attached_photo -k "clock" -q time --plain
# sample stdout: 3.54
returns 3.21
